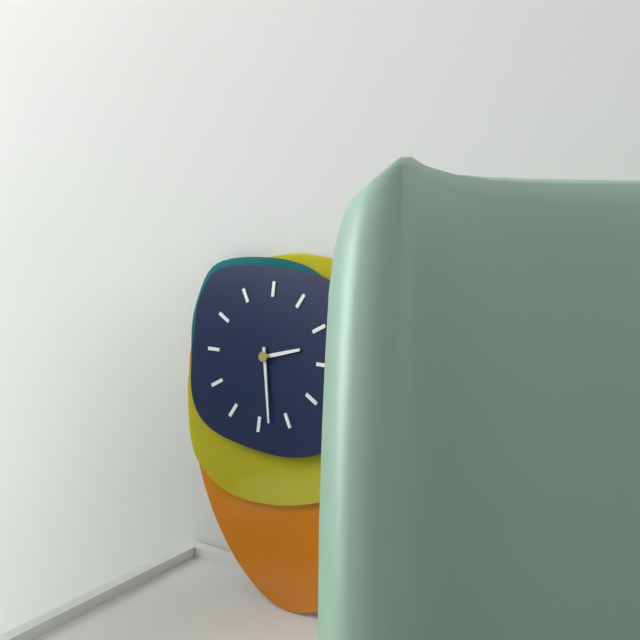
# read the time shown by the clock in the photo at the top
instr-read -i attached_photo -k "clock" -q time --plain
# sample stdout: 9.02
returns 2.28
